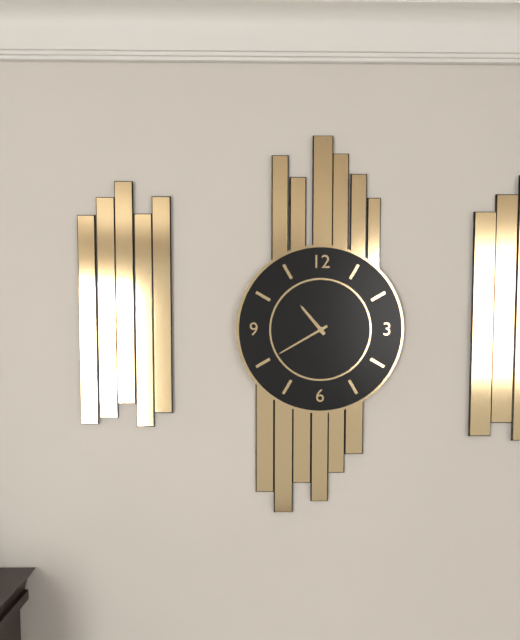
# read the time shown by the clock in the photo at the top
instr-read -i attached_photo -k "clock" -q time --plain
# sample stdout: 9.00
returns 10.40
